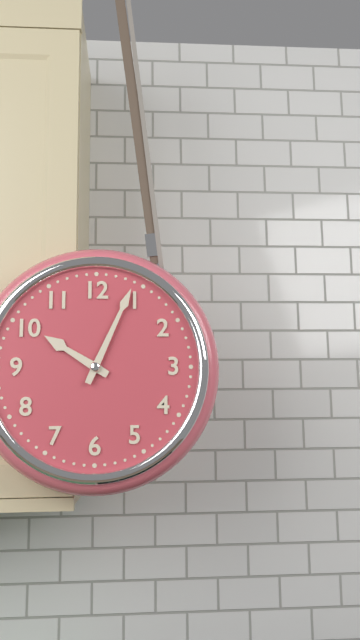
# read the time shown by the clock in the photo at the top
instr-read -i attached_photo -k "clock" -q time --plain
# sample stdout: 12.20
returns 10.04
